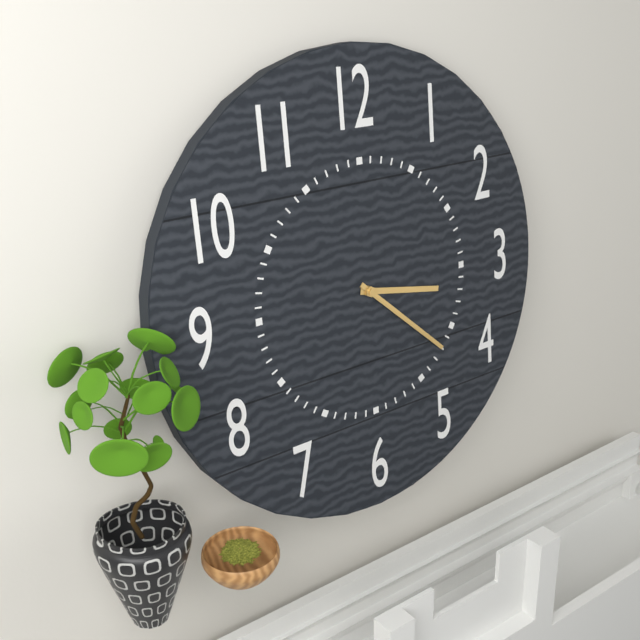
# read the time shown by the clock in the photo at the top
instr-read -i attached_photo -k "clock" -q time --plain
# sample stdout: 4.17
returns 3.22
